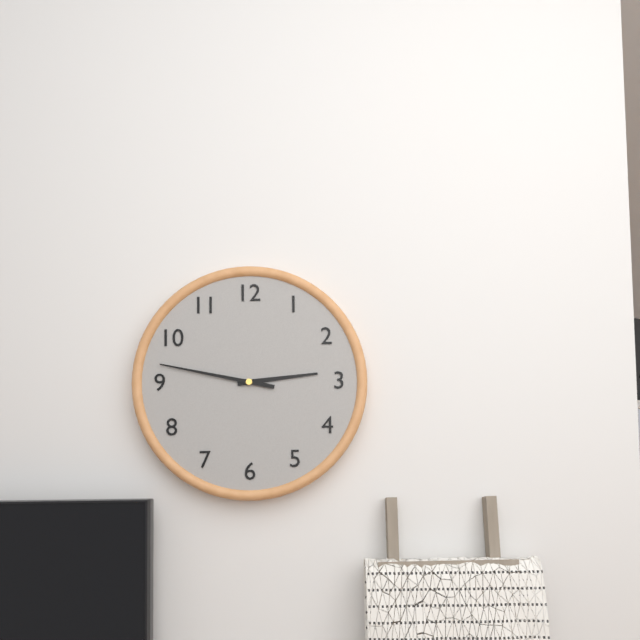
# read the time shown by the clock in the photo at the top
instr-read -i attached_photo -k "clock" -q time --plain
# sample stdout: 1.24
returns 2.47
